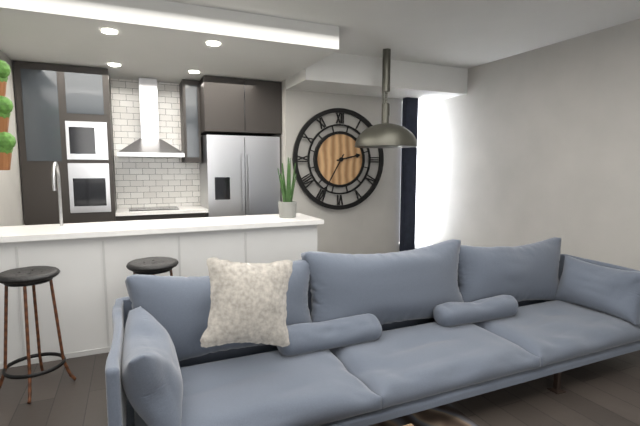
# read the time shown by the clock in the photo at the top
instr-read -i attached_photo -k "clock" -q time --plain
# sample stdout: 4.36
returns 2.35
